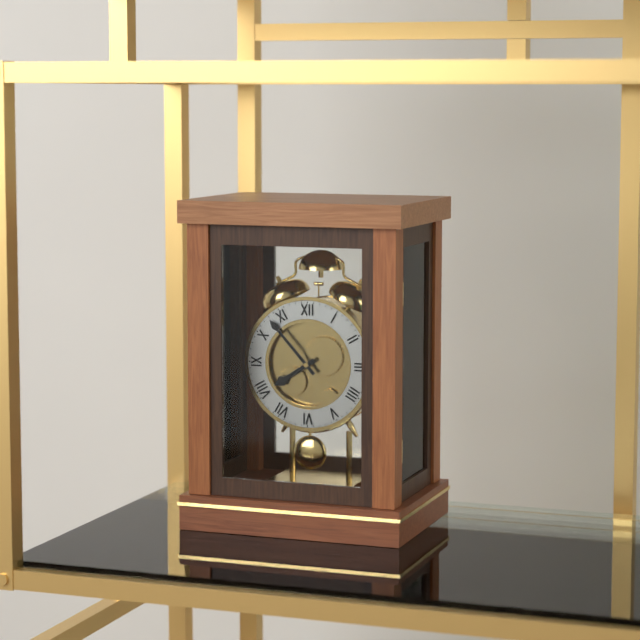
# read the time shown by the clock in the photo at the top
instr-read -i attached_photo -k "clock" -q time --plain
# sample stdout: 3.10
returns 7.53
